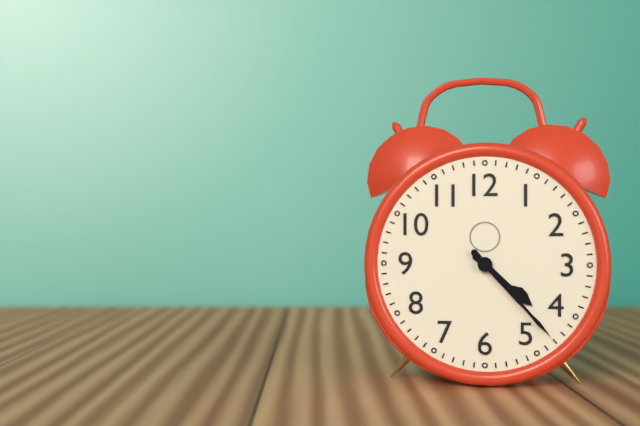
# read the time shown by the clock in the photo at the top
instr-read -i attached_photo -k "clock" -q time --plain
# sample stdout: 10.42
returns 4.23
